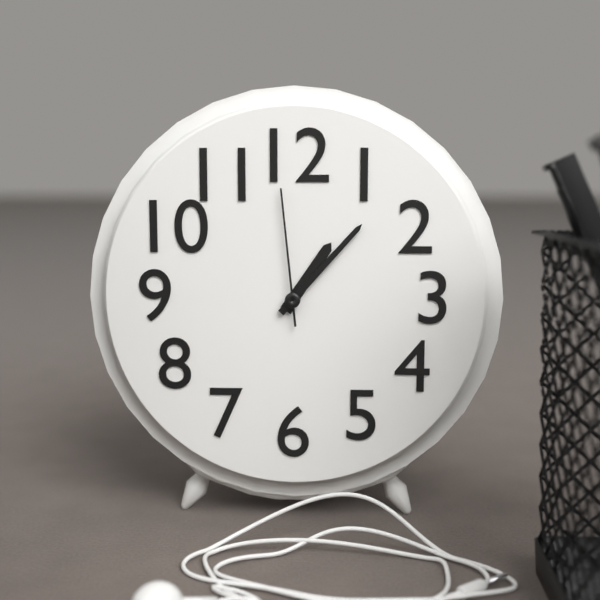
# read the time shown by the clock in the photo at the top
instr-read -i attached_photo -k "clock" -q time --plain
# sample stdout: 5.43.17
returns 1.07.59
